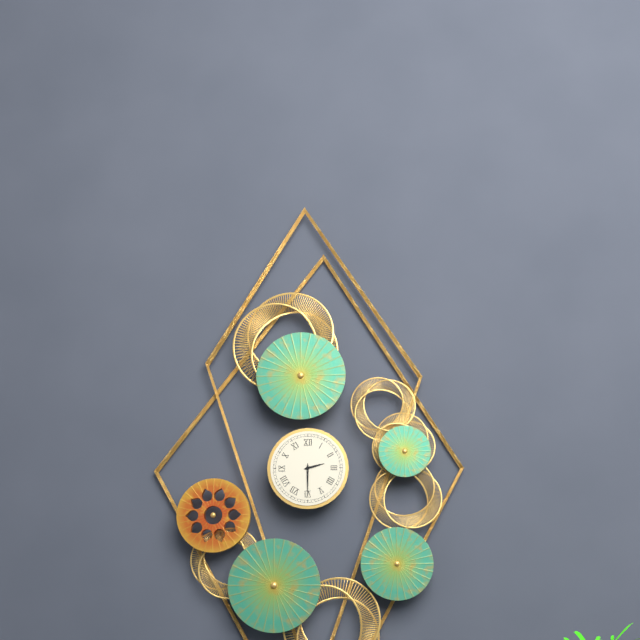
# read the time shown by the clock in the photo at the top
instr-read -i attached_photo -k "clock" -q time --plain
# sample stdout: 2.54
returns 2.30
